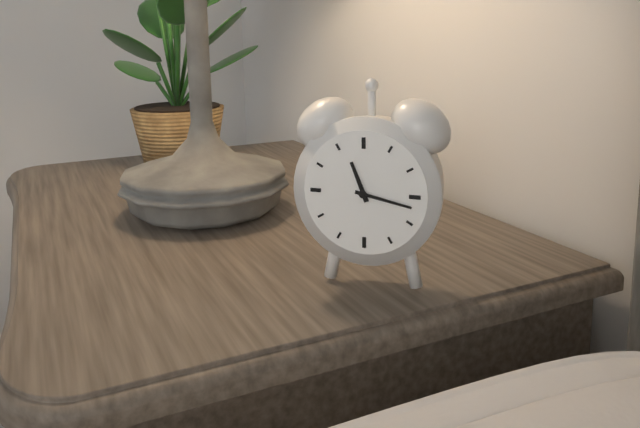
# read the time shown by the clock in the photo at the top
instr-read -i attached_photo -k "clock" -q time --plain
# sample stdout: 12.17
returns 11.17
